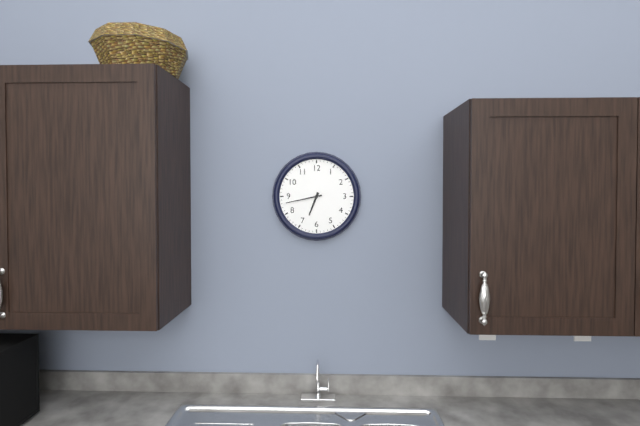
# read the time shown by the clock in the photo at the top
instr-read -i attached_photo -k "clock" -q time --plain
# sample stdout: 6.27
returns 6.43
